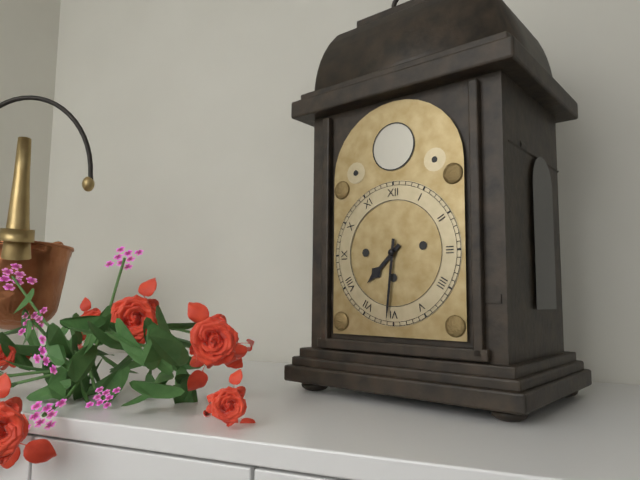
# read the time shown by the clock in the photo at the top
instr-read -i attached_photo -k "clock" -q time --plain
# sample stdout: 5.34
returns 7.31
